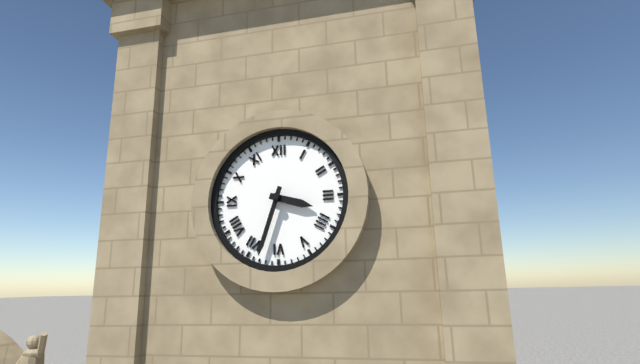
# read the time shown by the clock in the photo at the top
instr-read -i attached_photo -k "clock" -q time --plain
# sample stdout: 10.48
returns 3.33
